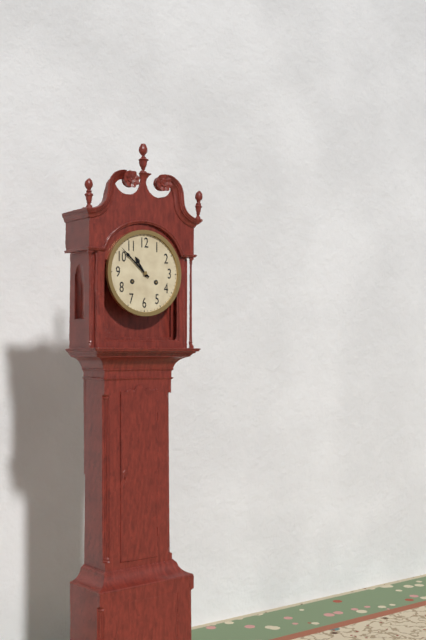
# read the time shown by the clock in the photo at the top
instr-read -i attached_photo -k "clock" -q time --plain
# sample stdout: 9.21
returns 10.52
